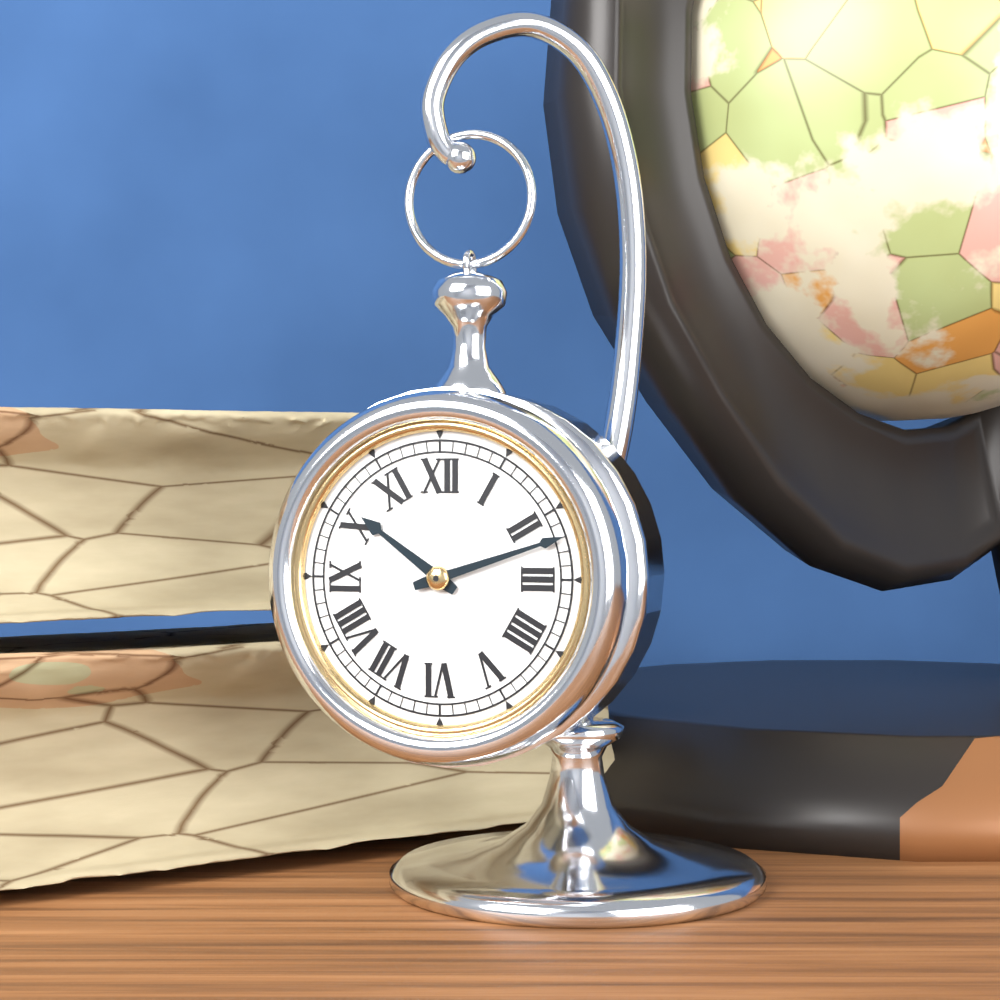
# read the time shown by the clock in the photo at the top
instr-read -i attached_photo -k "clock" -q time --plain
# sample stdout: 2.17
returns 10.12
